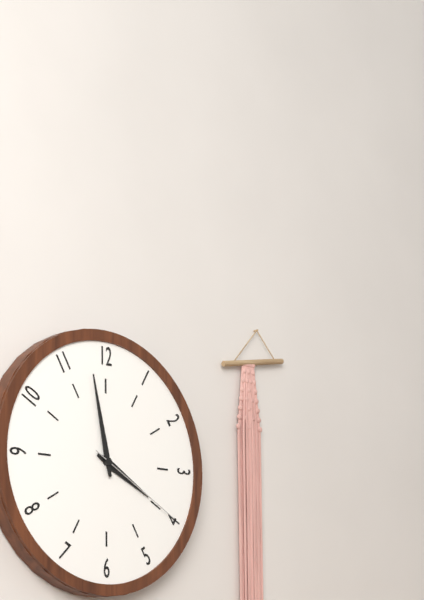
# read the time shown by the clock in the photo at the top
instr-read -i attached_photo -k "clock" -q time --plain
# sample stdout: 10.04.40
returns 3.58.20
